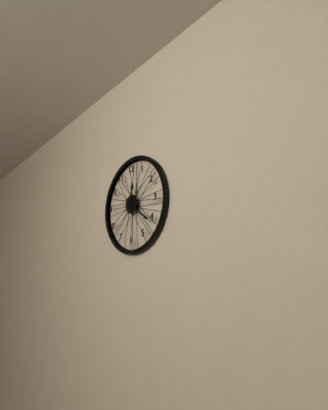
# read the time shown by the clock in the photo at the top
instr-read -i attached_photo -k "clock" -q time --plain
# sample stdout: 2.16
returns 12.21
